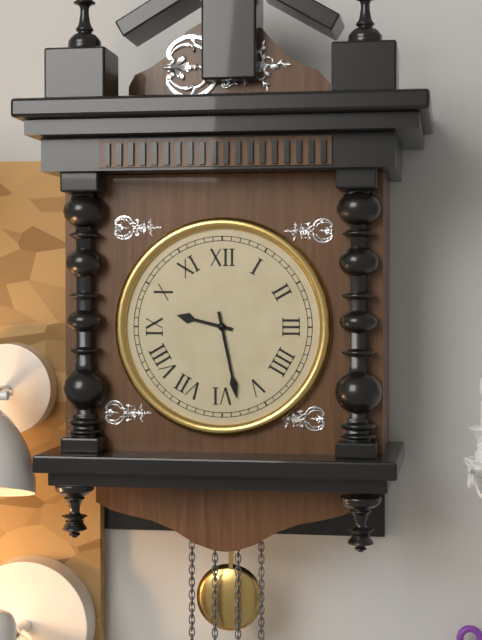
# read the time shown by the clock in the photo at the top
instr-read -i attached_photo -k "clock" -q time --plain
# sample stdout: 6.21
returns 9.28
